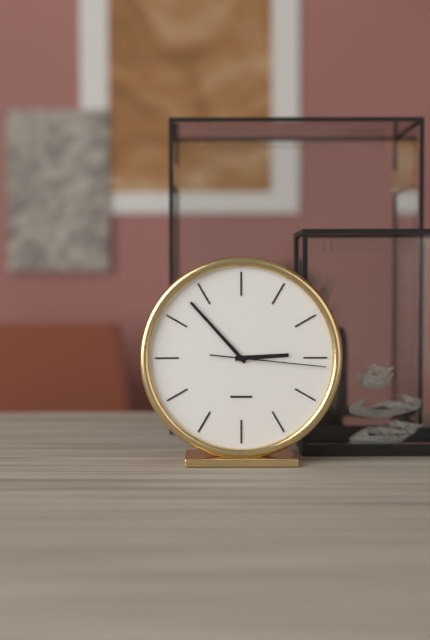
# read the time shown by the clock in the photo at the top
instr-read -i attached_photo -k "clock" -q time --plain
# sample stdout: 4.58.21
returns 2.53.16
